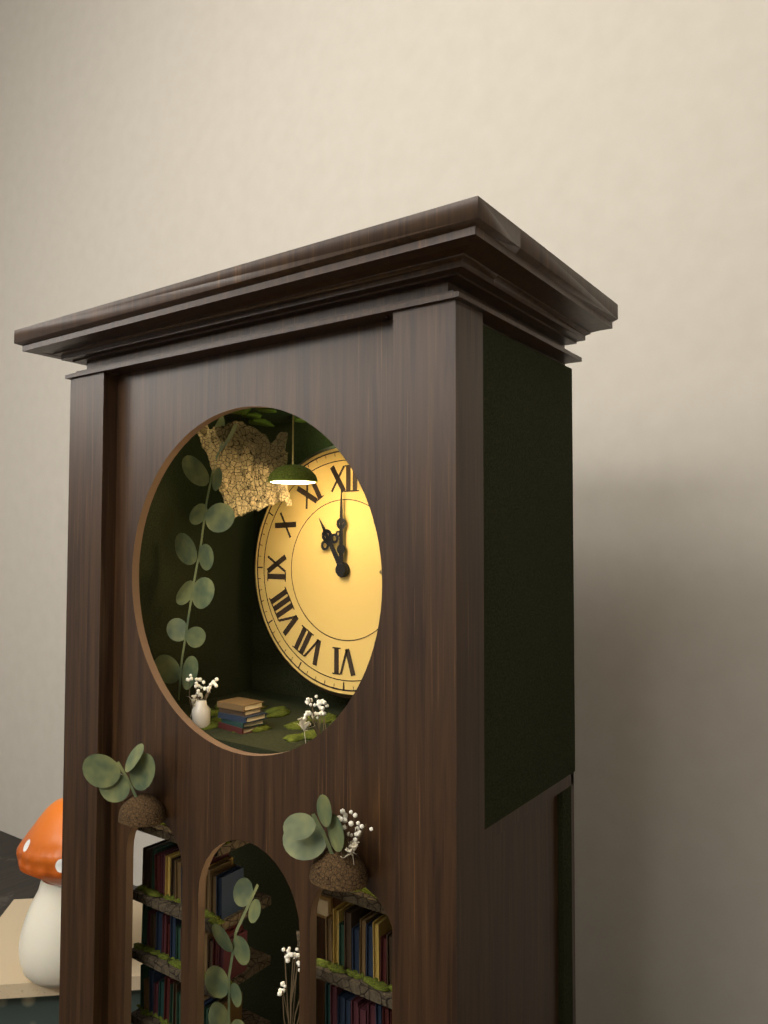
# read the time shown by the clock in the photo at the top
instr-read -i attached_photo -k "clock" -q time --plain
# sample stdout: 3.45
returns 11.00
